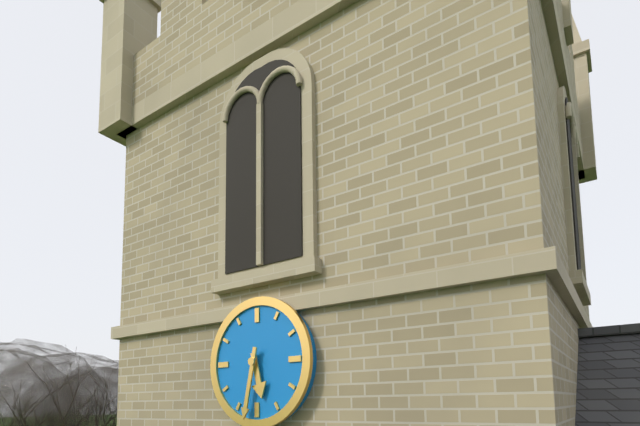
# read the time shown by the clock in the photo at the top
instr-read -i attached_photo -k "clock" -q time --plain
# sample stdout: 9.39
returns 5.32
